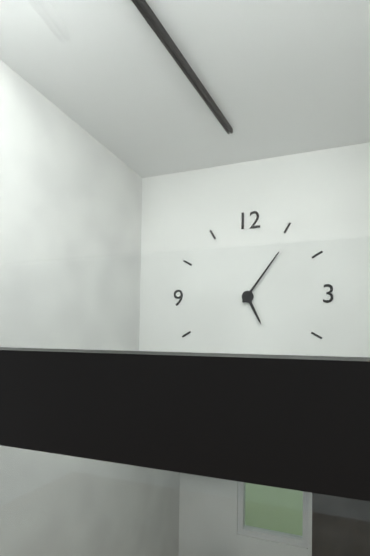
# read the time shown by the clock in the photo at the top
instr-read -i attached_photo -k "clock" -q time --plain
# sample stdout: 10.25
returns 5.06
